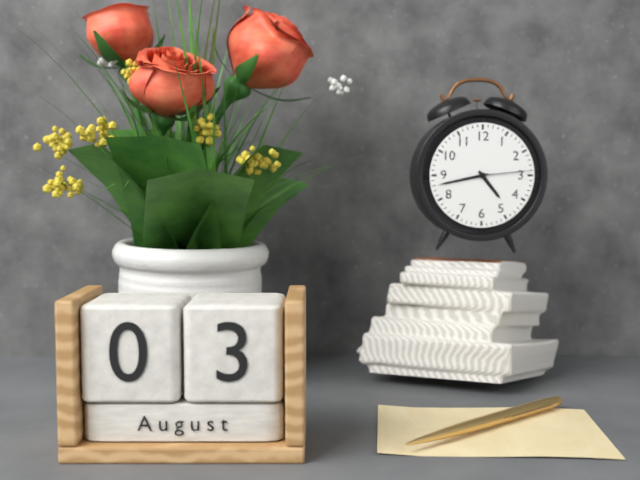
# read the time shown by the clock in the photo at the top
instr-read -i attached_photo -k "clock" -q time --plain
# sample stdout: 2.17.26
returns 4.43.14
